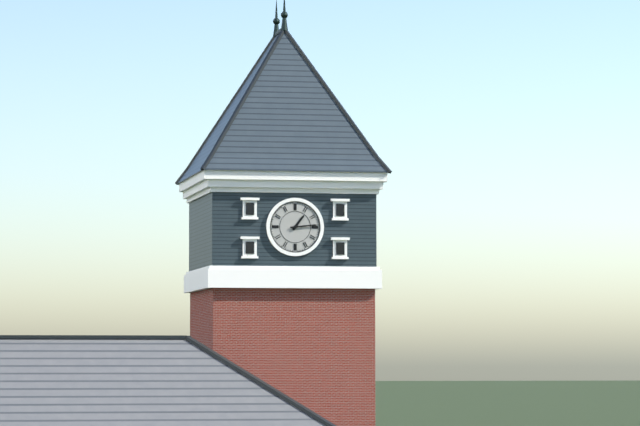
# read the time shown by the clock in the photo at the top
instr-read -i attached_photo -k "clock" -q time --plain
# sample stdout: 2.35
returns 1.14
